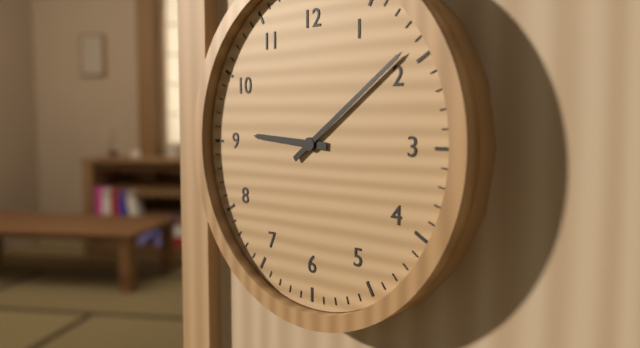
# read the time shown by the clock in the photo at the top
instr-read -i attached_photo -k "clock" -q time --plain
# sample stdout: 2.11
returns 9.09
